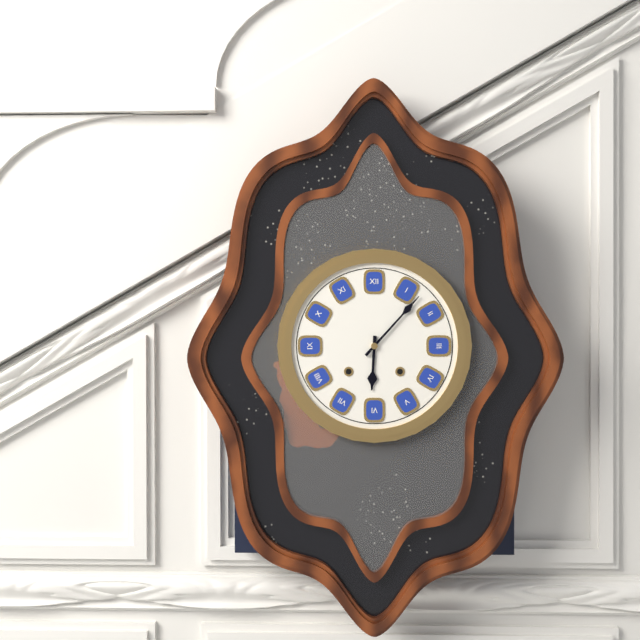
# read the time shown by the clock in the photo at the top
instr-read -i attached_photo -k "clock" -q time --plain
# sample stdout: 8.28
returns 6.07
